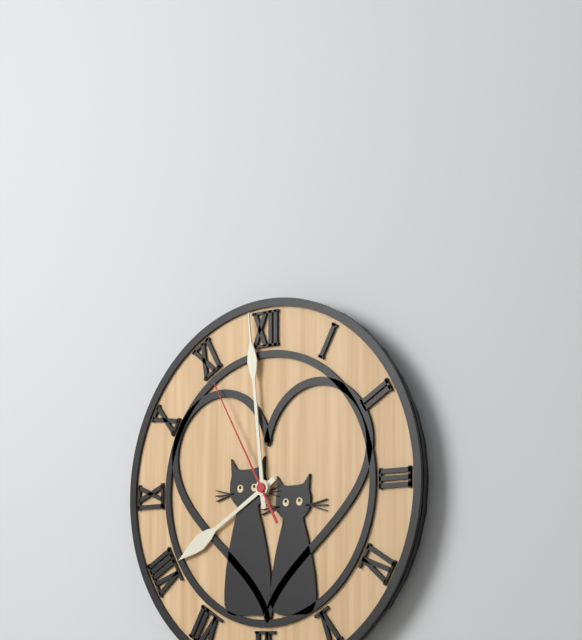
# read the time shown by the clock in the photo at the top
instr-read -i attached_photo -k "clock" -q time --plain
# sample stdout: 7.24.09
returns 7.59.55
